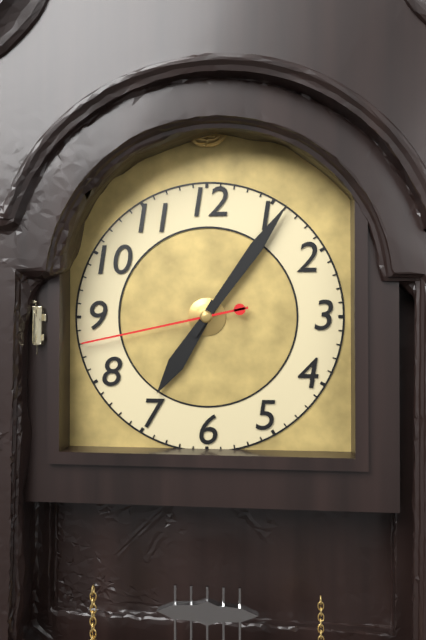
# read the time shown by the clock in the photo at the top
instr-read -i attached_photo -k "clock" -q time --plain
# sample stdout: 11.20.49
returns 7.06.43
